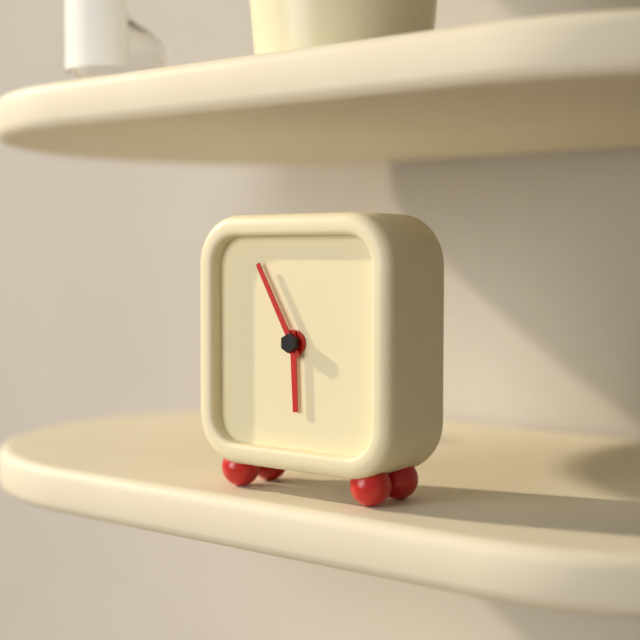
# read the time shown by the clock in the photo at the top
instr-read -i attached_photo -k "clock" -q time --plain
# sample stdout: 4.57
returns 5.55
